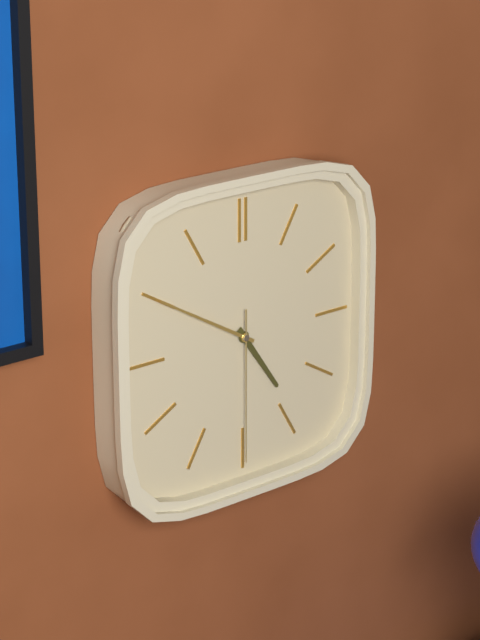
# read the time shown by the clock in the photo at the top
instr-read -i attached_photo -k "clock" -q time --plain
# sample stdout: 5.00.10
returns 4.50.30
